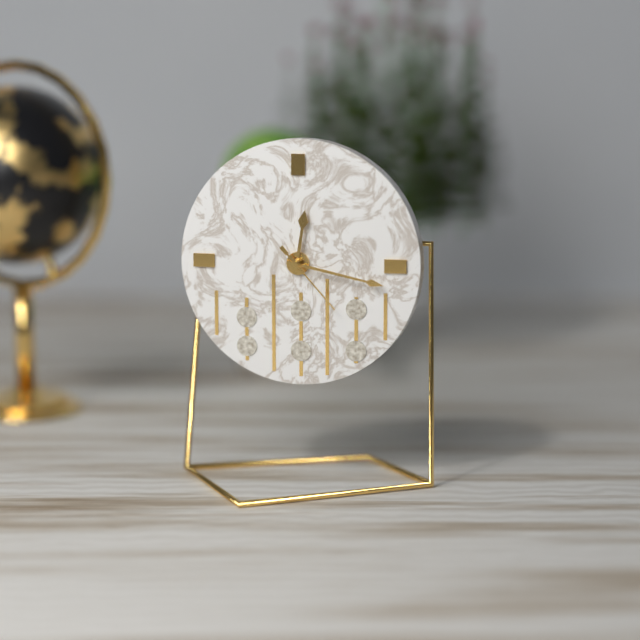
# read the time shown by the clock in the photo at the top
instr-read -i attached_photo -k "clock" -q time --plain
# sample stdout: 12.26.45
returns 12.17.23
